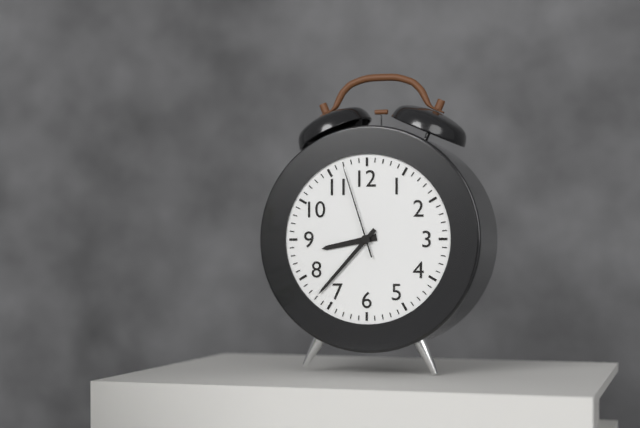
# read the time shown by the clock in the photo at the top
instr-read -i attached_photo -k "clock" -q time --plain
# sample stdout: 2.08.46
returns 8.37.57
